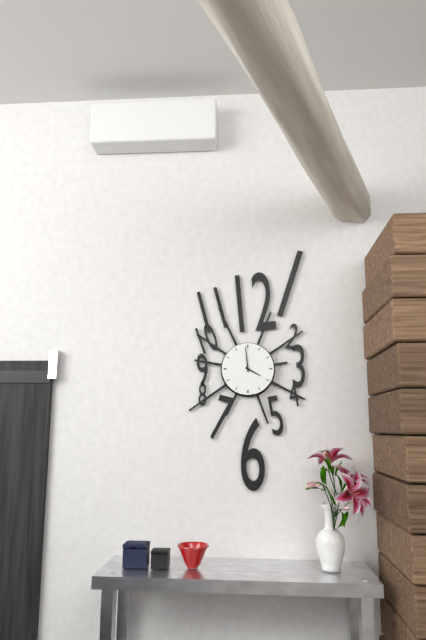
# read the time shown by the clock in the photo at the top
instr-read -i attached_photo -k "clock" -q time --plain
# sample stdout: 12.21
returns 3.59
